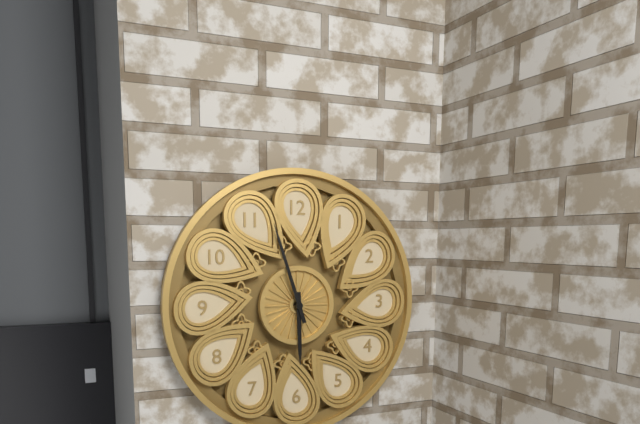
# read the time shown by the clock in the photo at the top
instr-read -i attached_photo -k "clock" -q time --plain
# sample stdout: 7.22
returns 5.57
